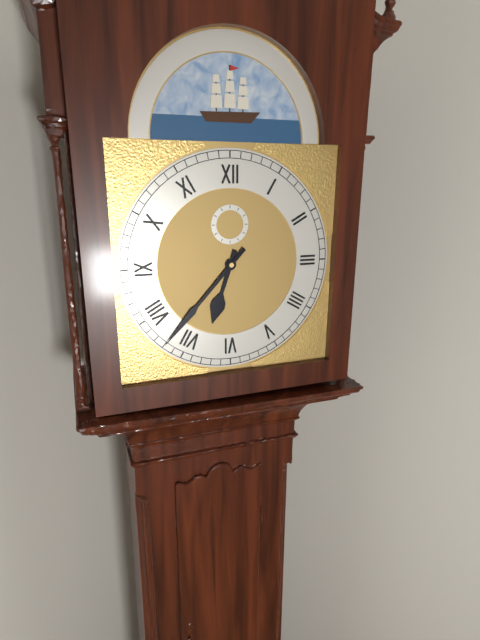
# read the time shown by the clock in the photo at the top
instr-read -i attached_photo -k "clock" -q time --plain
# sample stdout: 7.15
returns 6.37
